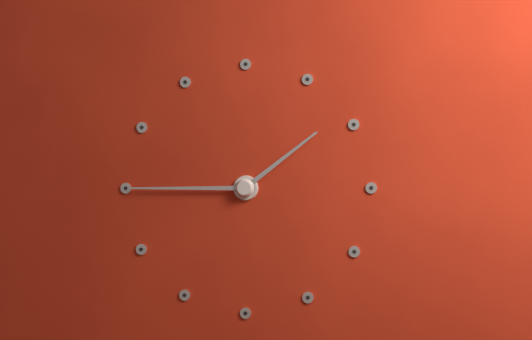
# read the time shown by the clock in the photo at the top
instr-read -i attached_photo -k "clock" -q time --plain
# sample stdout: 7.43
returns 1.45
